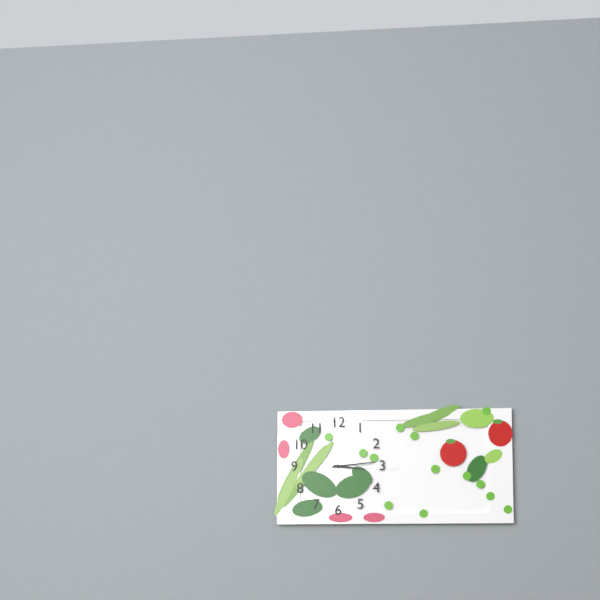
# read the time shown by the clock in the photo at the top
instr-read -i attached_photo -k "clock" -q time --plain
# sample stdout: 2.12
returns 3.14
